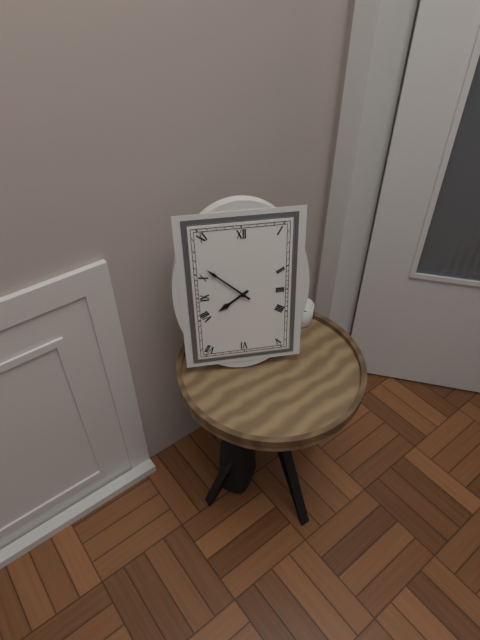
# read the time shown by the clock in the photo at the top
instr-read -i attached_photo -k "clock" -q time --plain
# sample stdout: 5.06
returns 7.52
